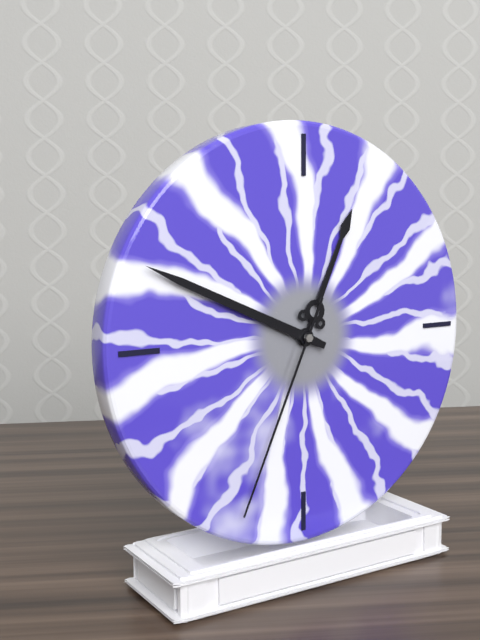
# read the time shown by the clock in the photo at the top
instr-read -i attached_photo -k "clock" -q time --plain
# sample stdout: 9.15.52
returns 12.49.34
